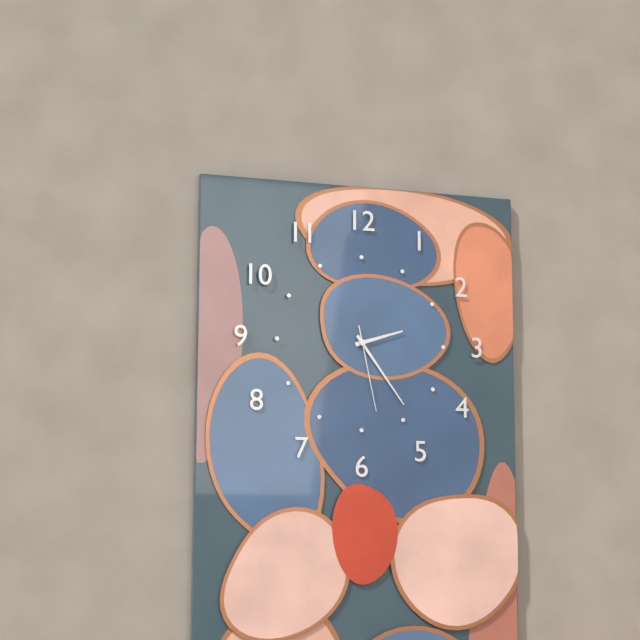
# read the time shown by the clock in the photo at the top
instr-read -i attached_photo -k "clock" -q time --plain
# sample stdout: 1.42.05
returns 2.24.28
